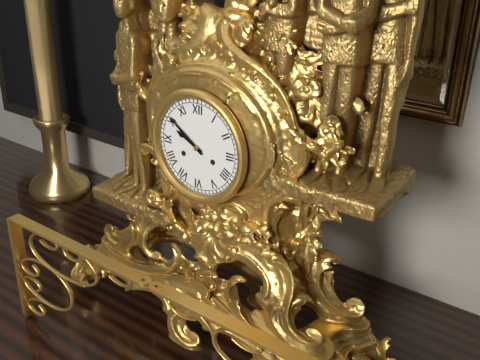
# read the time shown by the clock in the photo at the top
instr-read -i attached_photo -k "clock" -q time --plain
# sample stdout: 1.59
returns 9.51
